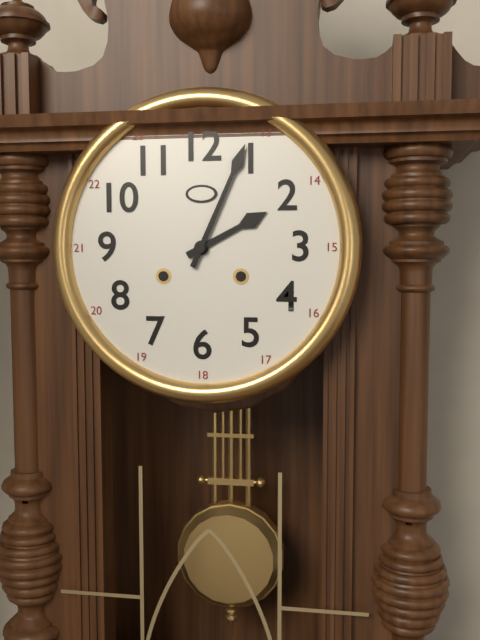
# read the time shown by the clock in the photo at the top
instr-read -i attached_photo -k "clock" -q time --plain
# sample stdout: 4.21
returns 2.04
